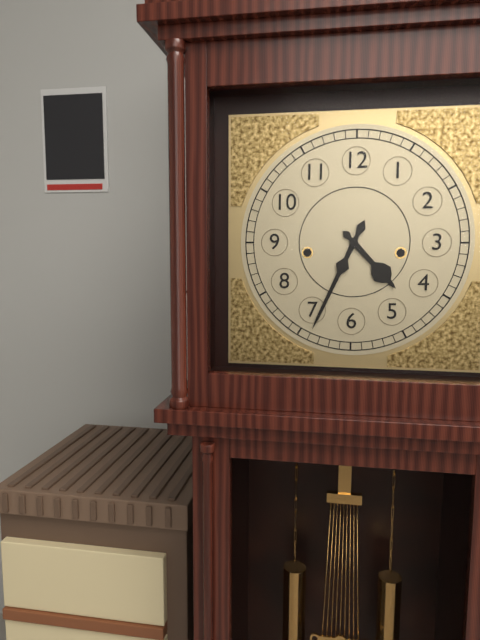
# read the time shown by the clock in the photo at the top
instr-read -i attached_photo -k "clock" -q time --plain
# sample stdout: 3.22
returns 4.34
